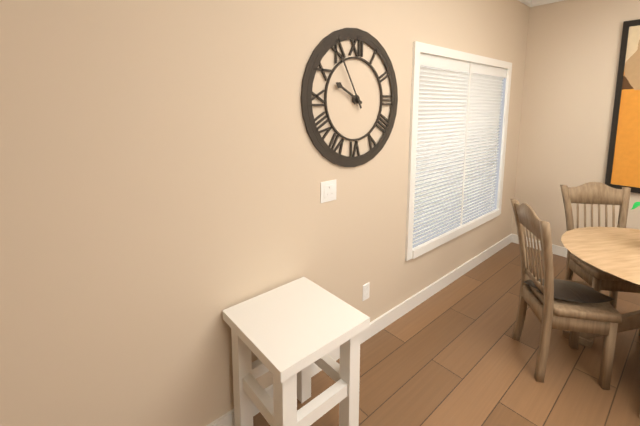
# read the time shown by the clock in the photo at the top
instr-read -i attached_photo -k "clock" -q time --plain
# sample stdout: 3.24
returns 9.55
